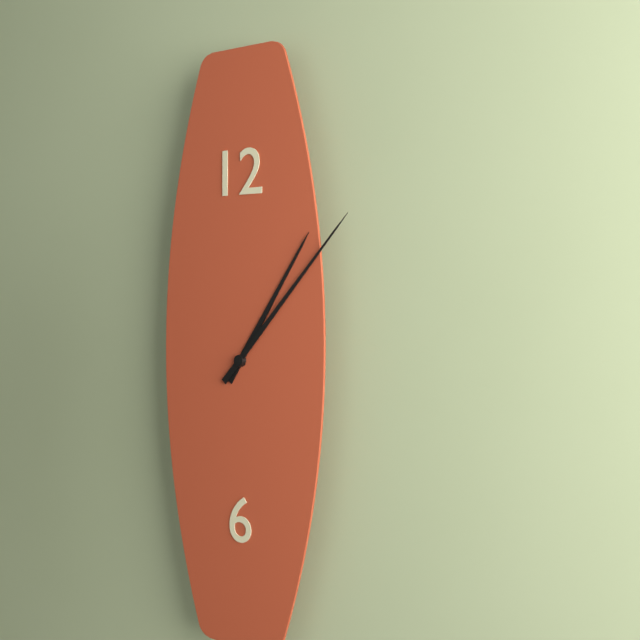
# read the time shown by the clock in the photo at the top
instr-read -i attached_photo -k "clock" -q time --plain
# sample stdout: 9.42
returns 1.07
